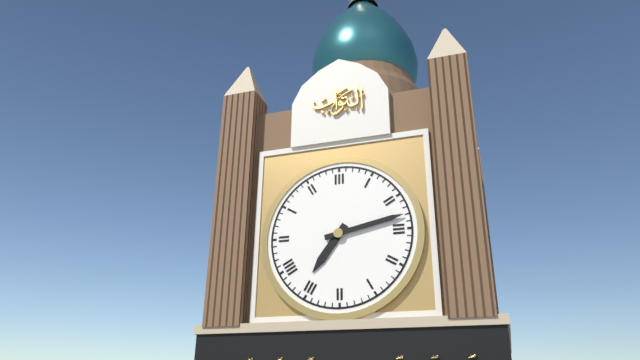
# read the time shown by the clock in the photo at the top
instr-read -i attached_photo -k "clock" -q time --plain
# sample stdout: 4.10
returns 7.13
